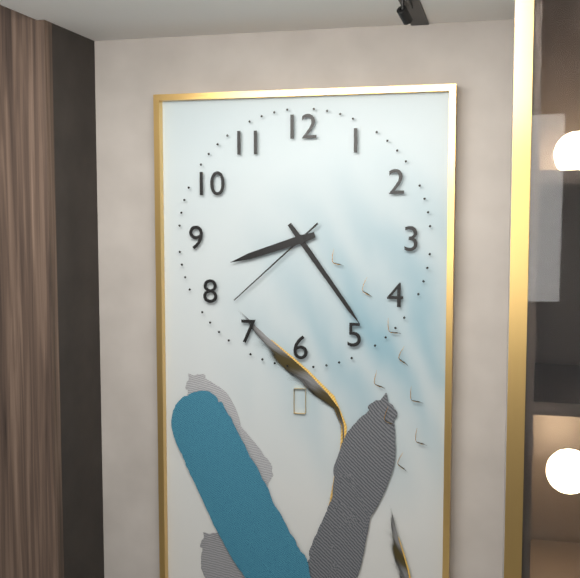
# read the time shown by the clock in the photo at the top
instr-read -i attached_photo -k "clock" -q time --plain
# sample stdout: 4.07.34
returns 8.24.38
